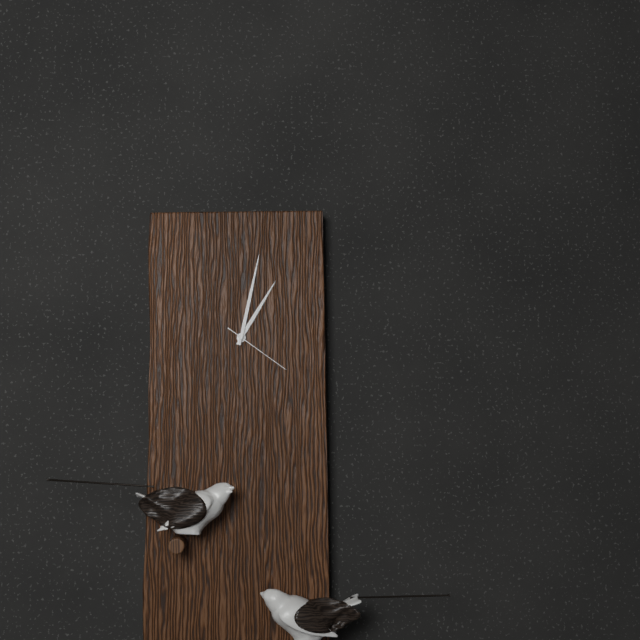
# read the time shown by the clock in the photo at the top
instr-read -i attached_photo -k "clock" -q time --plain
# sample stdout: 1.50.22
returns 1.02.21
